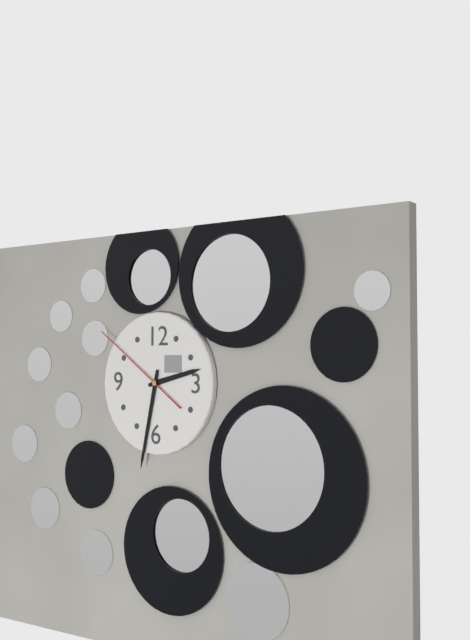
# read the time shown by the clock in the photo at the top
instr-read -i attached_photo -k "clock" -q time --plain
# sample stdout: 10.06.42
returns 2.32.51
